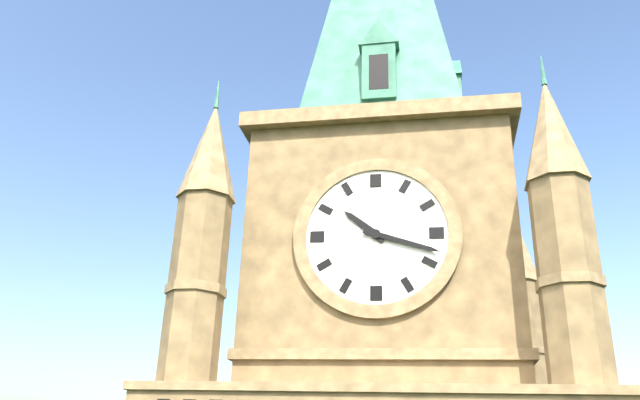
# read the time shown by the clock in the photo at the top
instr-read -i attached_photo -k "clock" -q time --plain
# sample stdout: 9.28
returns 10.18
